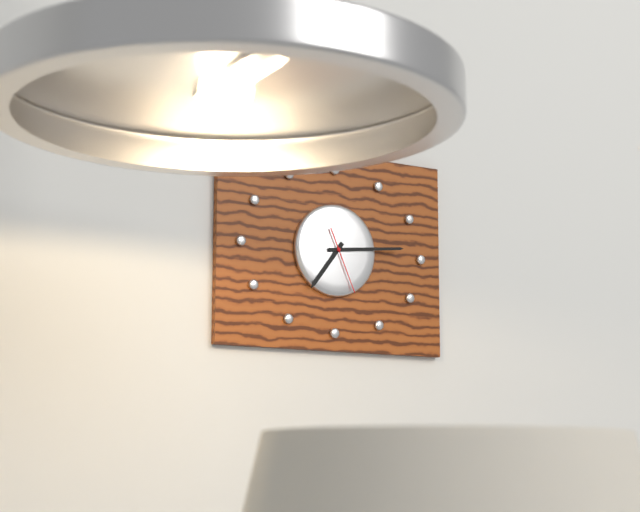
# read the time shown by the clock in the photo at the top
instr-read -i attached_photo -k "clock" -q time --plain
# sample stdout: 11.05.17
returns 7.14.26
